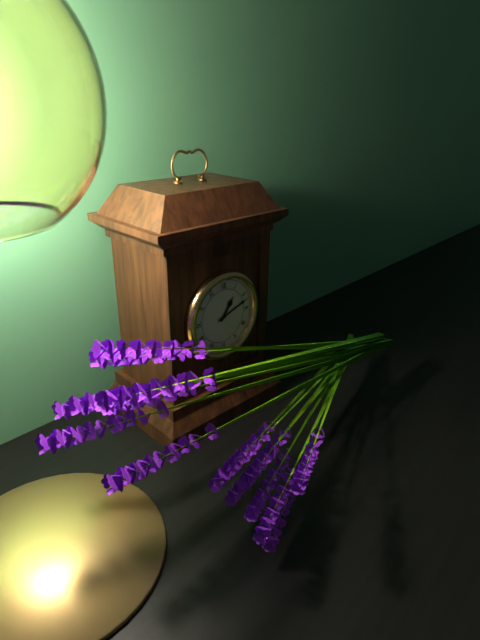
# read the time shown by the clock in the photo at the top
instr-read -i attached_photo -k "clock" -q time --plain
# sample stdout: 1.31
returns 1.12
